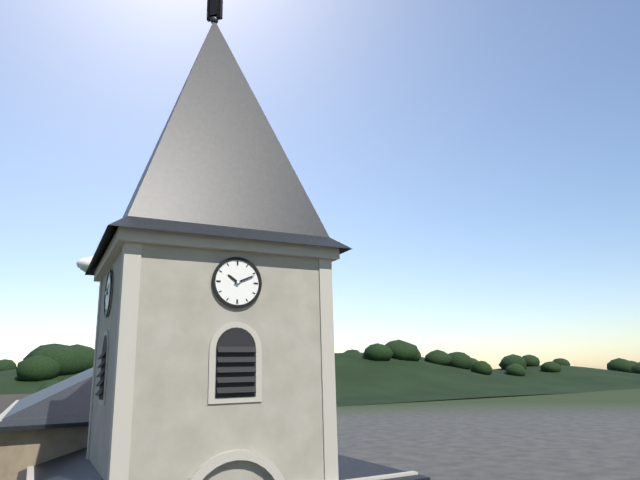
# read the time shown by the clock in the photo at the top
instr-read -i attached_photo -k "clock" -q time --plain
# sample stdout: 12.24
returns 10.11
